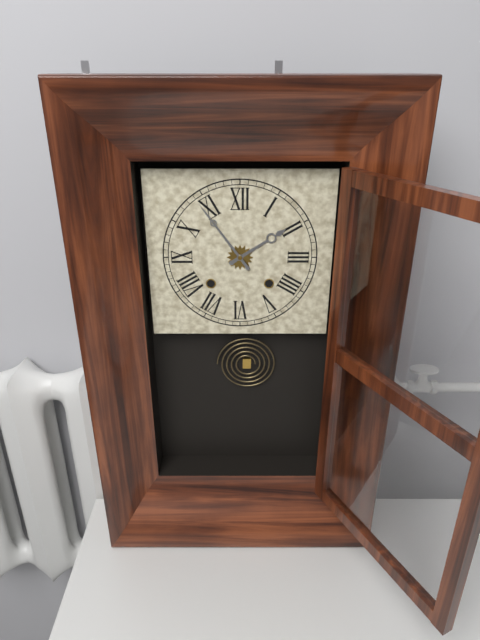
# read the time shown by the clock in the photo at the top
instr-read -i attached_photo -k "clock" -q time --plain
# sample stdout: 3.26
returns 1.54
